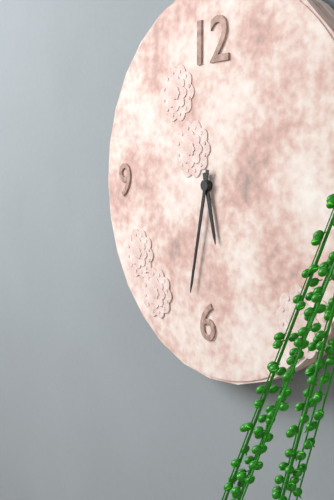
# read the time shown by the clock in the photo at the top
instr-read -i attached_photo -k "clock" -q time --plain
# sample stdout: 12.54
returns 5.32
